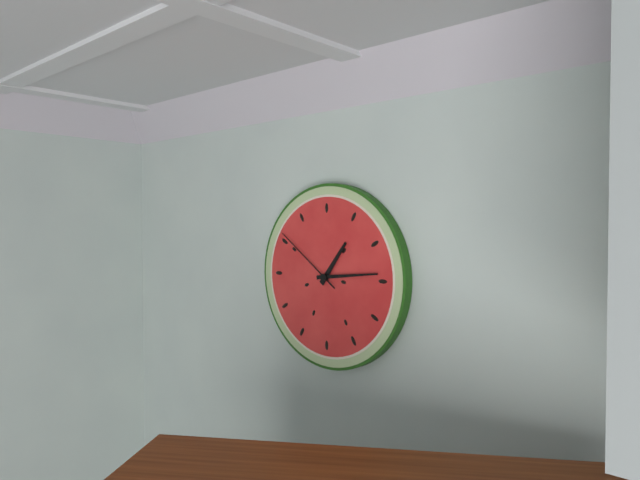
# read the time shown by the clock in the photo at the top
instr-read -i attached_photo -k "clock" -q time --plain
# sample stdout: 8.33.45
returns 1.14.51
